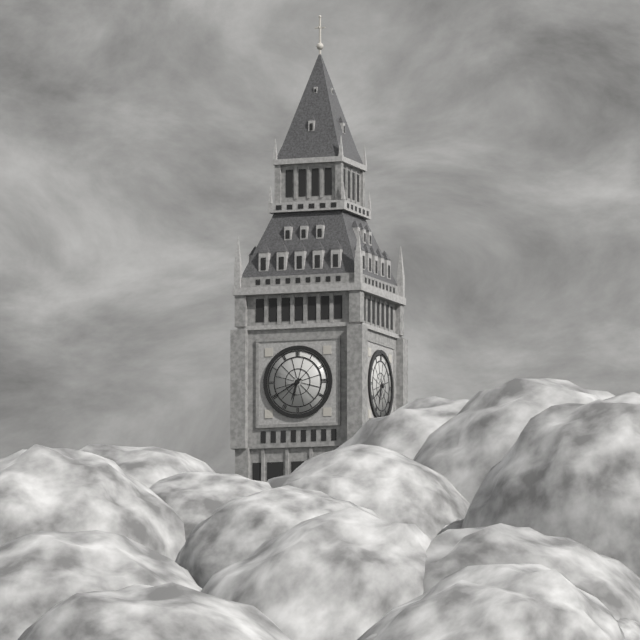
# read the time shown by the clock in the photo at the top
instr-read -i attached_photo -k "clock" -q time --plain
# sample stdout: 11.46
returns 6.40
